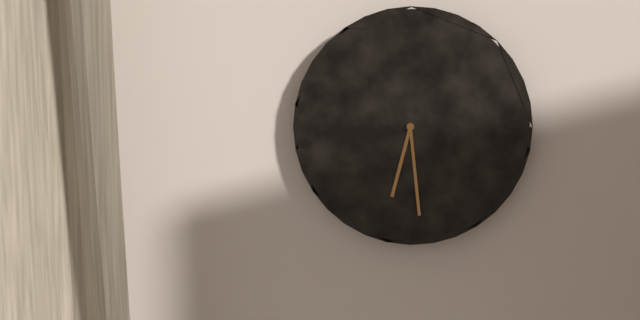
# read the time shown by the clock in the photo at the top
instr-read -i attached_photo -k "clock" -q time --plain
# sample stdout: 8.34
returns 6.29
